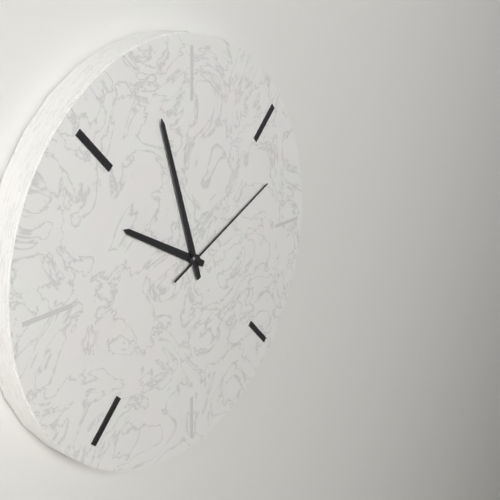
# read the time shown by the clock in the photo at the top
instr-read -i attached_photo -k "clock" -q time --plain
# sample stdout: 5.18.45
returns 9.57.11
